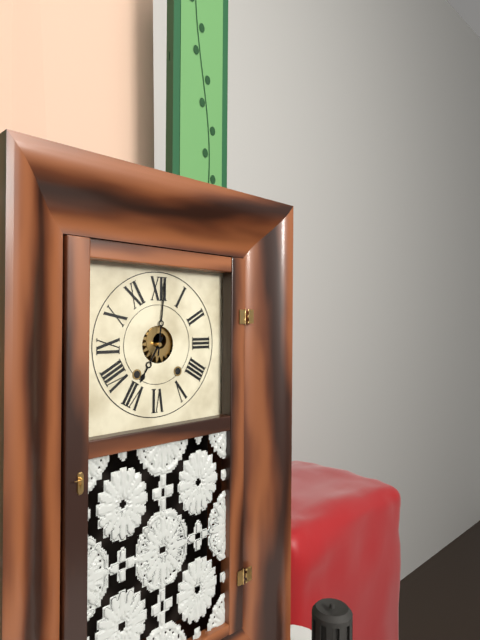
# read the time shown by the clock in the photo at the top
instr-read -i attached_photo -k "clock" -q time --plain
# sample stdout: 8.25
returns 7.01
